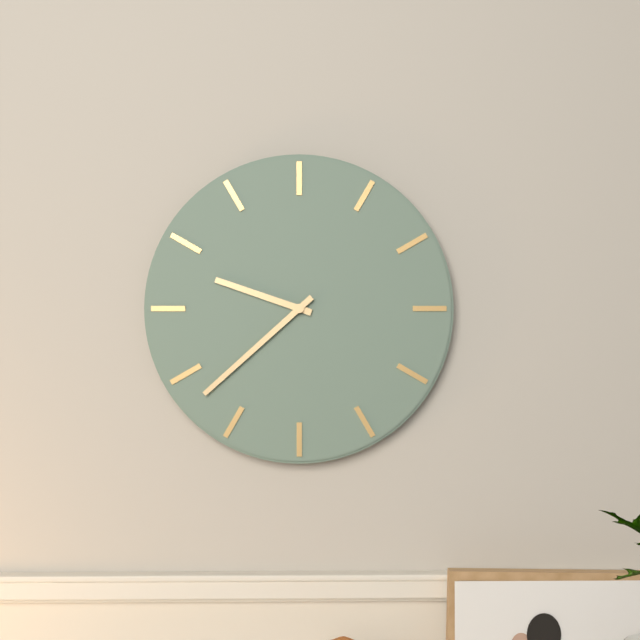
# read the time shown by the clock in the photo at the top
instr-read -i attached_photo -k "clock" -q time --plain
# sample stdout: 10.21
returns 9.38
